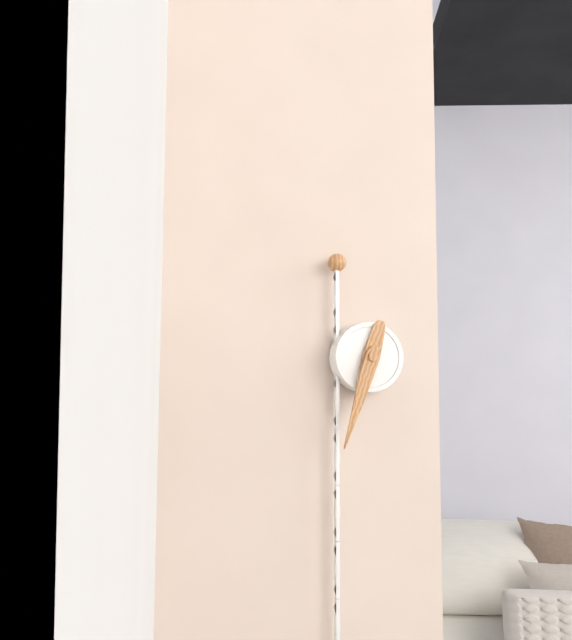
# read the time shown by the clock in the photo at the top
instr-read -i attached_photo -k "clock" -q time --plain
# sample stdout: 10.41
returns 6.33
